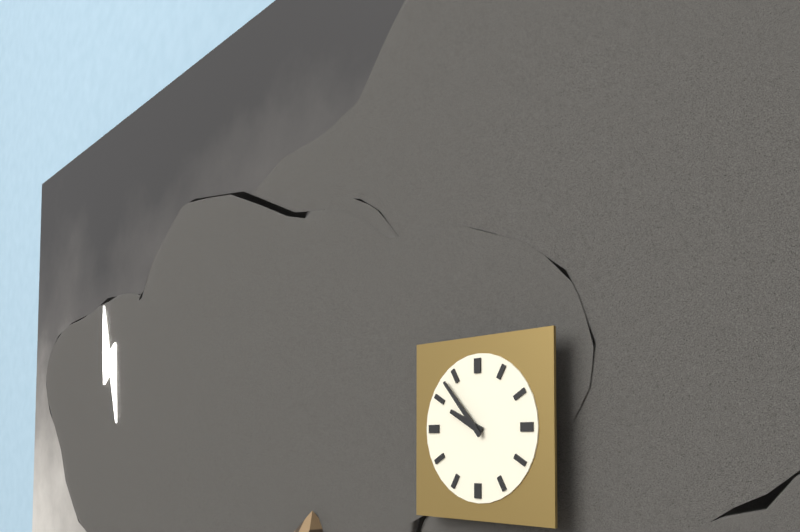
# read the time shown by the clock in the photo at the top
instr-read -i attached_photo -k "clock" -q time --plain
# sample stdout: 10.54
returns 9.53
